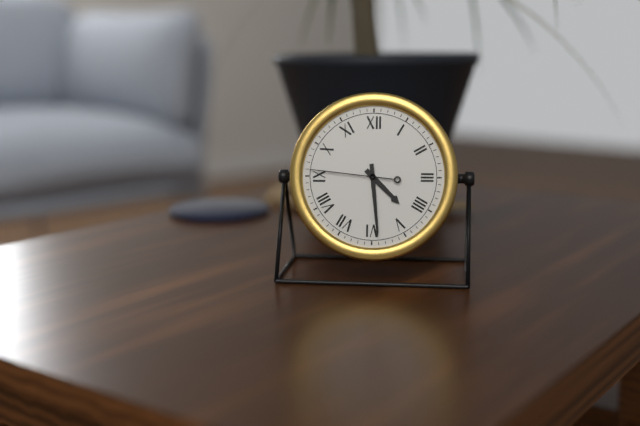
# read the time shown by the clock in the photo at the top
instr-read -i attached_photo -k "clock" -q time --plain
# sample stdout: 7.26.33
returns 4.29.46
